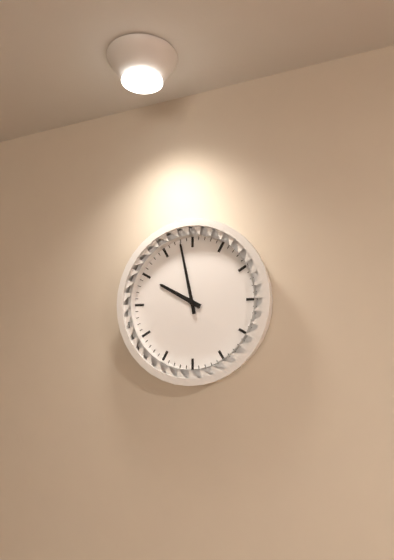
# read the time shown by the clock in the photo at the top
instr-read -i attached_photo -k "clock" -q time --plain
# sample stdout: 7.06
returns 9.58
